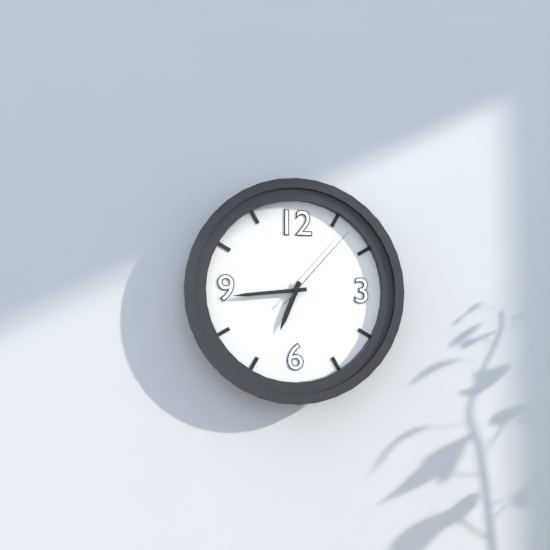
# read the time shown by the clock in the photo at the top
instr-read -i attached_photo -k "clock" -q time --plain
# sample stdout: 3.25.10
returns 6.44.07
